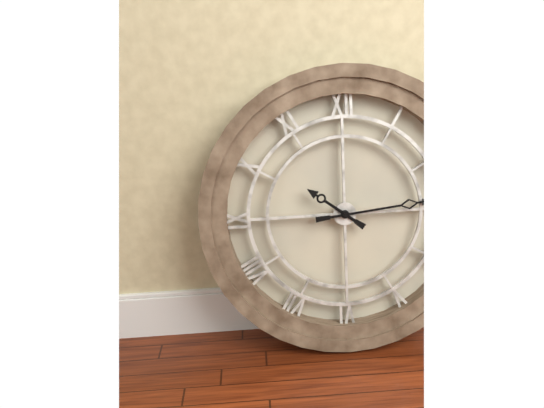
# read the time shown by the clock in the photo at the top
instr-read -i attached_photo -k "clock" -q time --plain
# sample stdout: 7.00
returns 10.14
